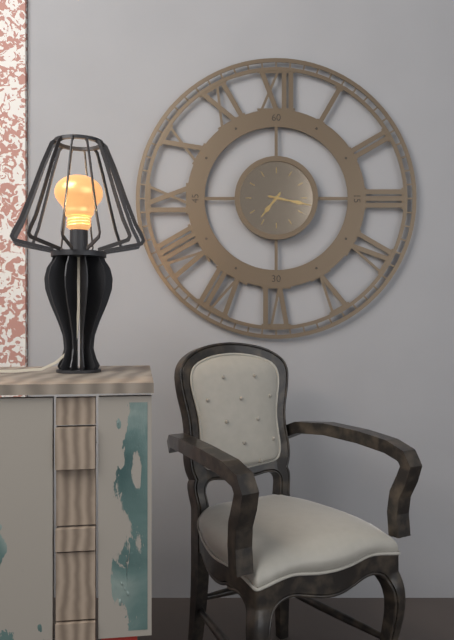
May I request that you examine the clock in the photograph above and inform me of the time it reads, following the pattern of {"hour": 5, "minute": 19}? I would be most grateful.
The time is {"hour": 7, "minute": 17}
